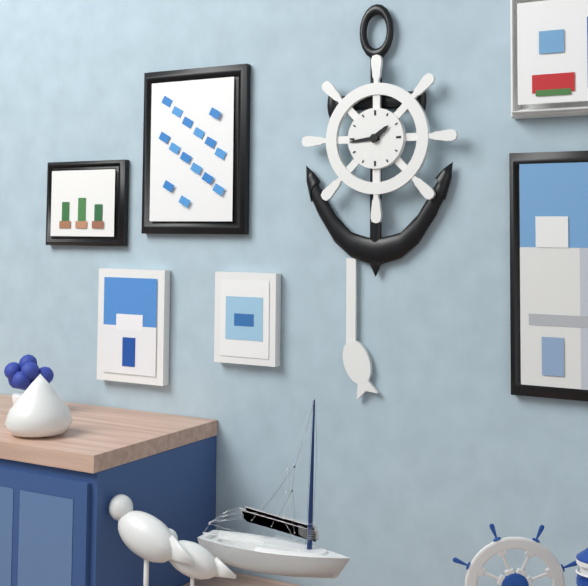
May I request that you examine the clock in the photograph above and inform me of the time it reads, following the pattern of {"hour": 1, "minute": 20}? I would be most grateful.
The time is {"hour": 1, "minute": 44}
